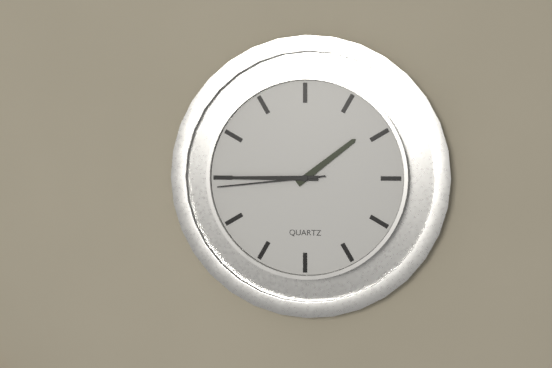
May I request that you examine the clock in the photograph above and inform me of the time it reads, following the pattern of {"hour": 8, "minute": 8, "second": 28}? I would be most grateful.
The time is {"hour": 1, "minute": 45, "second": 44}
